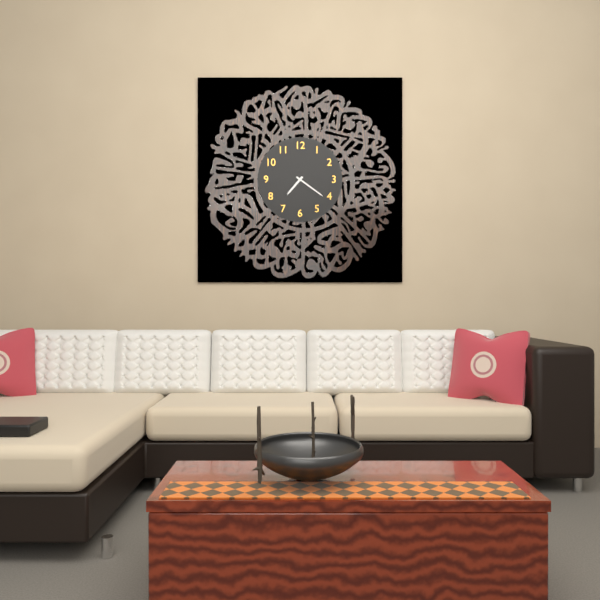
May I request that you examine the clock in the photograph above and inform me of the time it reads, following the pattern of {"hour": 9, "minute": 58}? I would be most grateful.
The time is {"hour": 7, "minute": 21}
